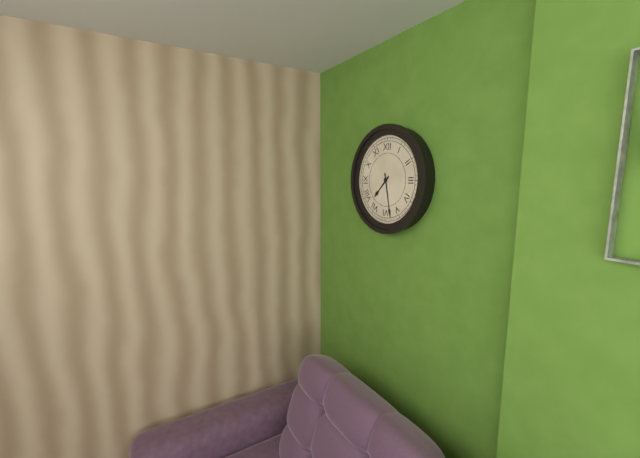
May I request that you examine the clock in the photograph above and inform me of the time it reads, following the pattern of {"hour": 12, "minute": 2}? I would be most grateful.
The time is {"hour": 7, "minute": 28}
